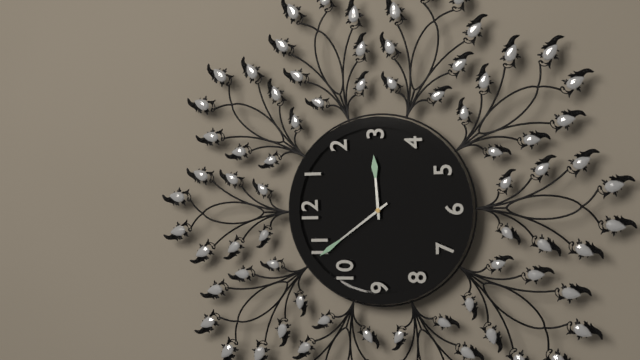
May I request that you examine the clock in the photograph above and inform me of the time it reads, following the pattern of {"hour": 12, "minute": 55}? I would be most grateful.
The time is {"hour": 2, "minute": 54}
